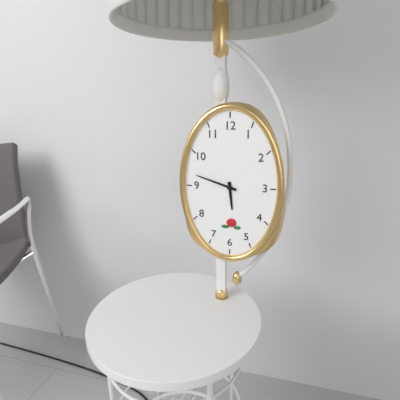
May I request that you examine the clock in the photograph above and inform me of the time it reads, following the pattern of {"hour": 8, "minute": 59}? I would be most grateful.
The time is {"hour": 5, "minute": 48}
